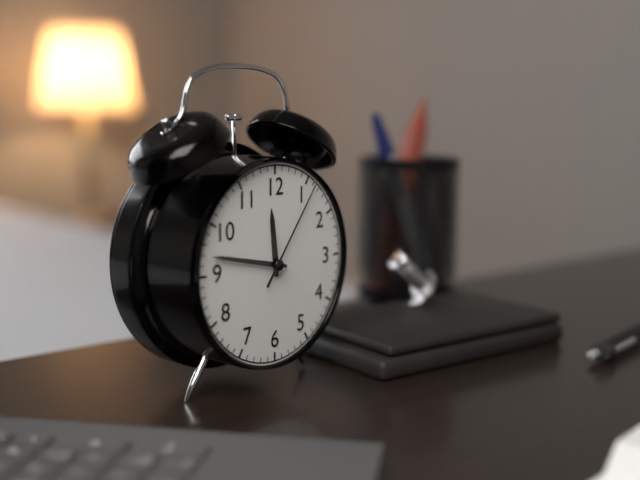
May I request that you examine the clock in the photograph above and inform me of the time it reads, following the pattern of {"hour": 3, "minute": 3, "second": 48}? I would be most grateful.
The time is {"hour": 11, "minute": 47, "second": 6}
